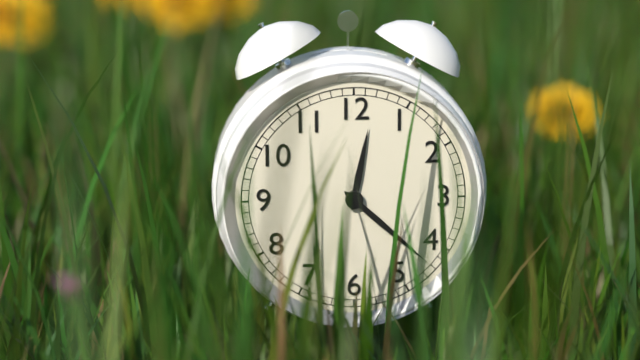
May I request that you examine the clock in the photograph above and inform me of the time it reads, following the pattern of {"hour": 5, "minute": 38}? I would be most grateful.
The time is {"hour": 12, "minute": 22}
